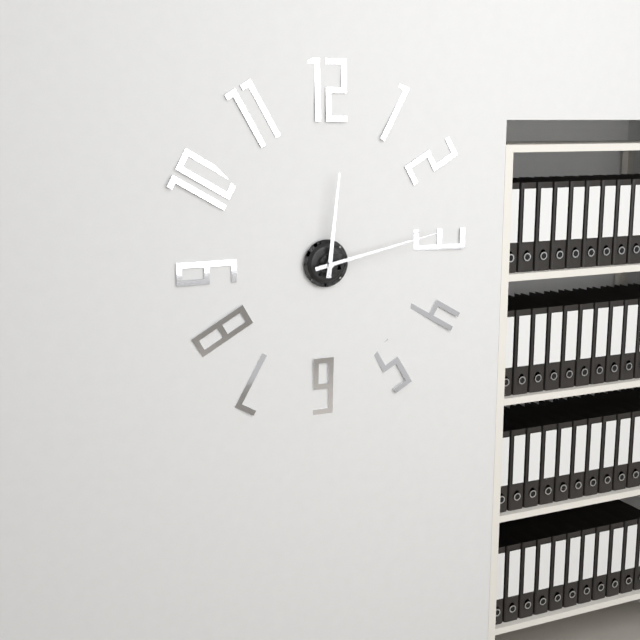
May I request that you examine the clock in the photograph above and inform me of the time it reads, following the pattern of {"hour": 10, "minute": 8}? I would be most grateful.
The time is {"hour": 12, "minute": 13}
